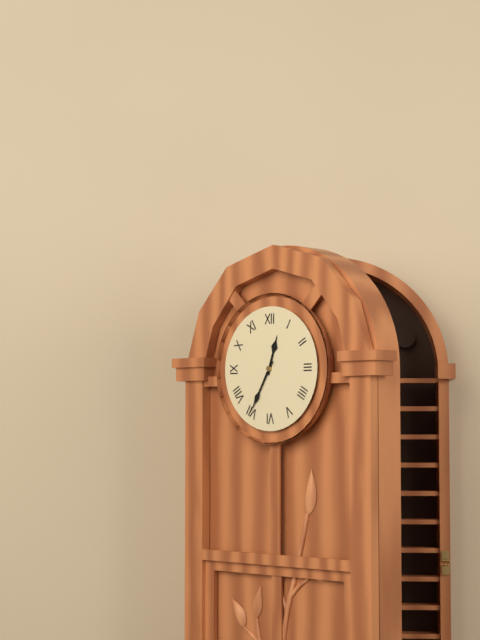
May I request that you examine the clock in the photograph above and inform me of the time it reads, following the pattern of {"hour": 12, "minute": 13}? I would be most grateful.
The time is {"hour": 12, "minute": 35}
